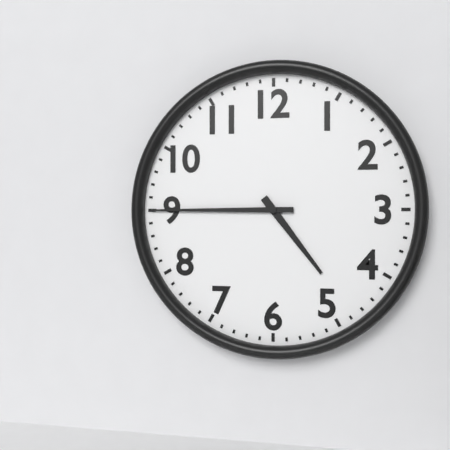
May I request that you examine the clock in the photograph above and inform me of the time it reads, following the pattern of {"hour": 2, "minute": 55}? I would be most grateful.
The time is {"hour": 4, "minute": 45}
